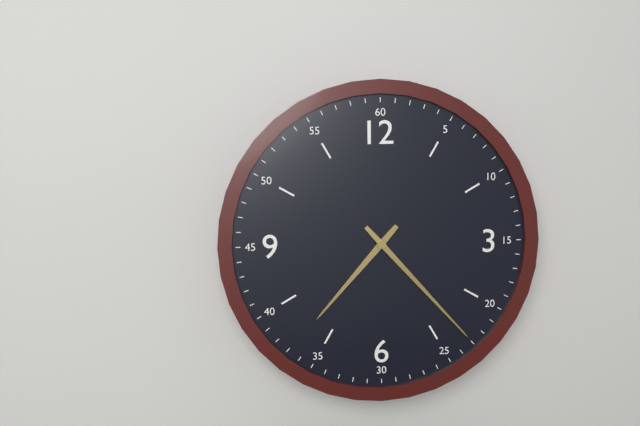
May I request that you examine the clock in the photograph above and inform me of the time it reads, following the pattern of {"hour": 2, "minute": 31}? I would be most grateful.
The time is {"hour": 7, "minute": 23}
